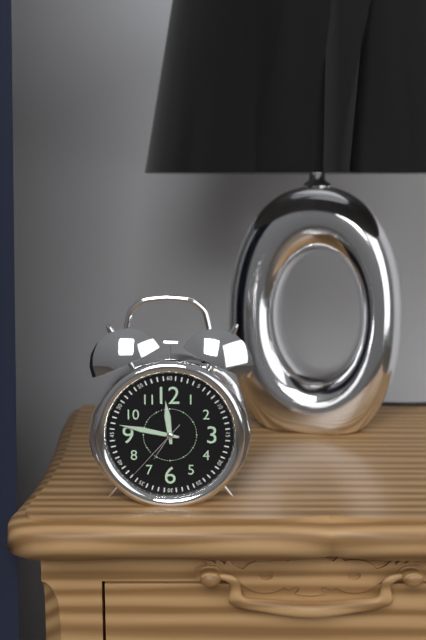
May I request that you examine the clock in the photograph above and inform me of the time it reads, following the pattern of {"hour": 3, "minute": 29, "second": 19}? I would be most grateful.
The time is {"hour": 11, "minute": 47, "second": 37}
